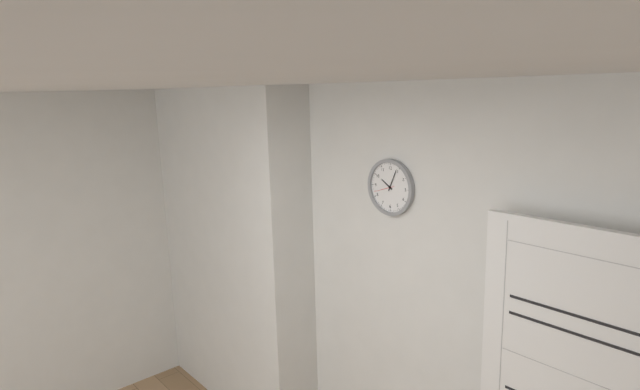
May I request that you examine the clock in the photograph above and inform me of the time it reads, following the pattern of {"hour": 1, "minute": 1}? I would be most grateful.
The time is {"hour": 10, "minute": 4}
